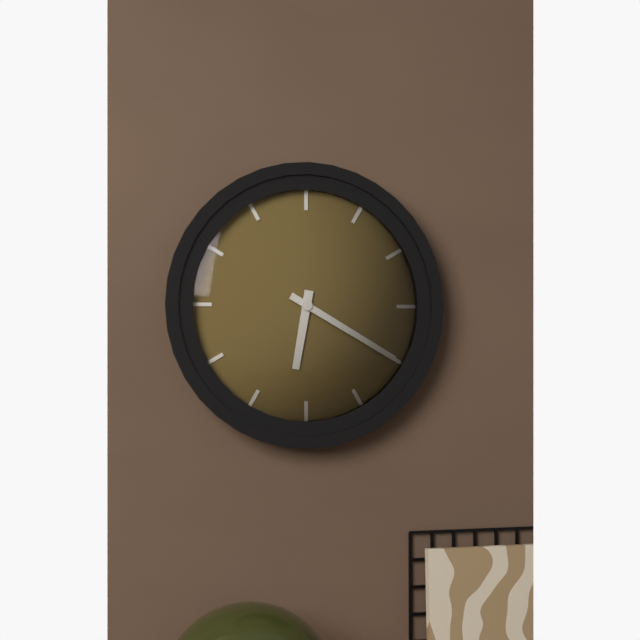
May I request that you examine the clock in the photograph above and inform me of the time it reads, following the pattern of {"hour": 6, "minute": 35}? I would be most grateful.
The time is {"hour": 6, "minute": 20}
